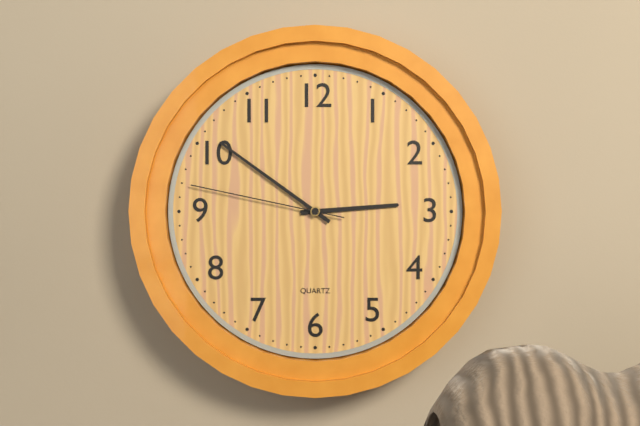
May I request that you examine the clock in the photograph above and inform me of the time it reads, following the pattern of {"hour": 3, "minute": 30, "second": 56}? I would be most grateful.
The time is {"hour": 2, "minute": 51, "second": 47}
